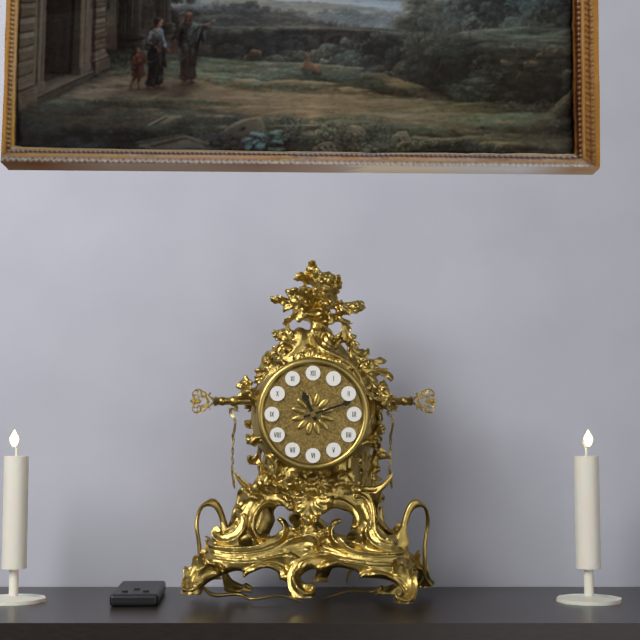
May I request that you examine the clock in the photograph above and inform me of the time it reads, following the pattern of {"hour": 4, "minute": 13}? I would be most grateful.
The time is {"hour": 11, "minute": 12}
